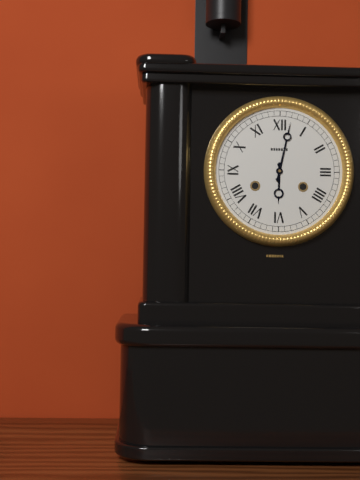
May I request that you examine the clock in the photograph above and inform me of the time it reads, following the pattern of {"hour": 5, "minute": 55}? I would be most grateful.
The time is {"hour": 6, "minute": 2}
